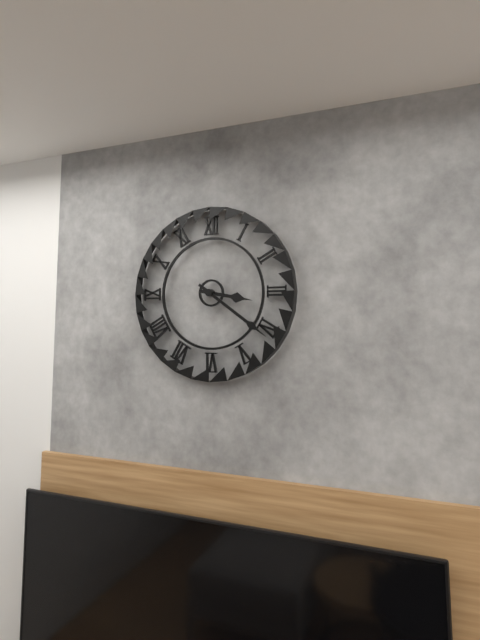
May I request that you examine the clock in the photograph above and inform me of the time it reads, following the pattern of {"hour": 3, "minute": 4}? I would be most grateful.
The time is {"hour": 3, "minute": 21}
